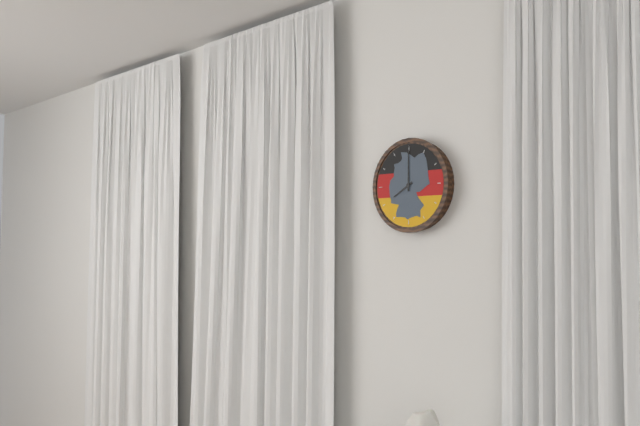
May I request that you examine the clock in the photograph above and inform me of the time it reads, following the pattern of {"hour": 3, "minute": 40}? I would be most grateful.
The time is {"hour": 8, "minute": 0}
